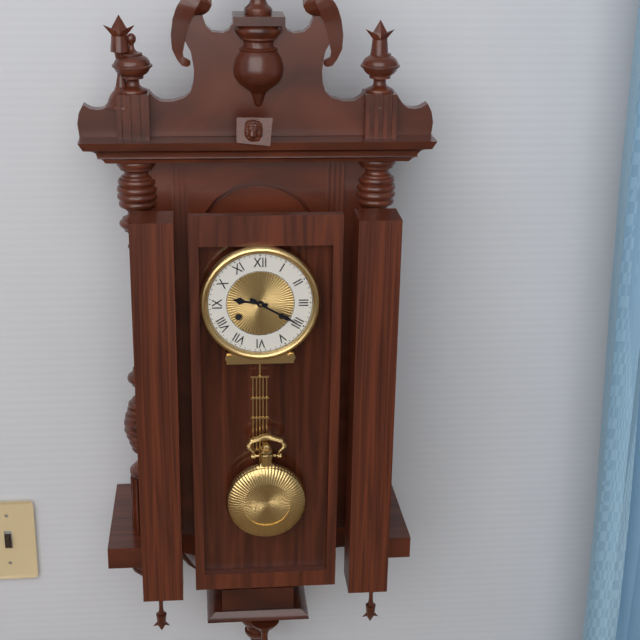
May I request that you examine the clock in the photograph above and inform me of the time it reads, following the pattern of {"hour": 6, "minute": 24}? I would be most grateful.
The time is {"hour": 9, "minute": 20}
